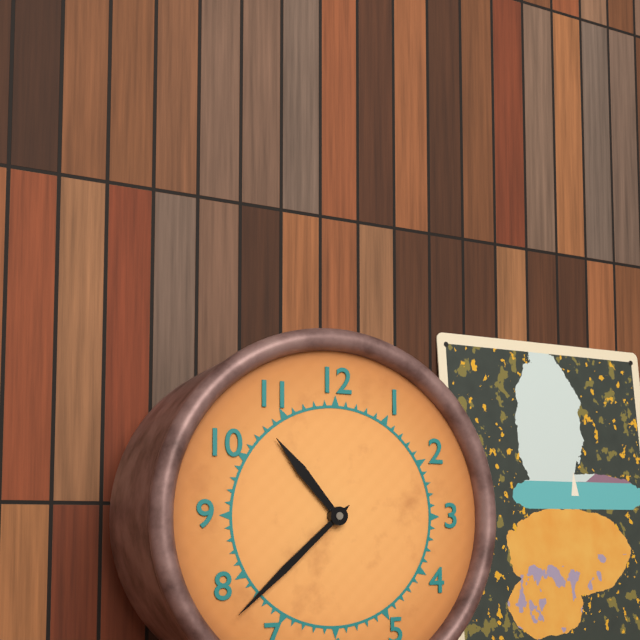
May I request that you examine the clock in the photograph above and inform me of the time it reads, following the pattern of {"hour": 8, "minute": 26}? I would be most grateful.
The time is {"hour": 10, "minute": 38}
